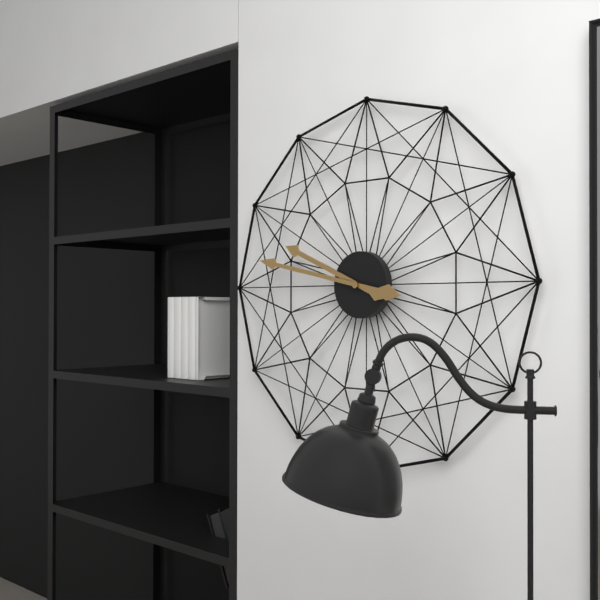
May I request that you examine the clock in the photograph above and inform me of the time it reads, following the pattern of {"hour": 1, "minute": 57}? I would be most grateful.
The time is {"hour": 9, "minute": 47}
